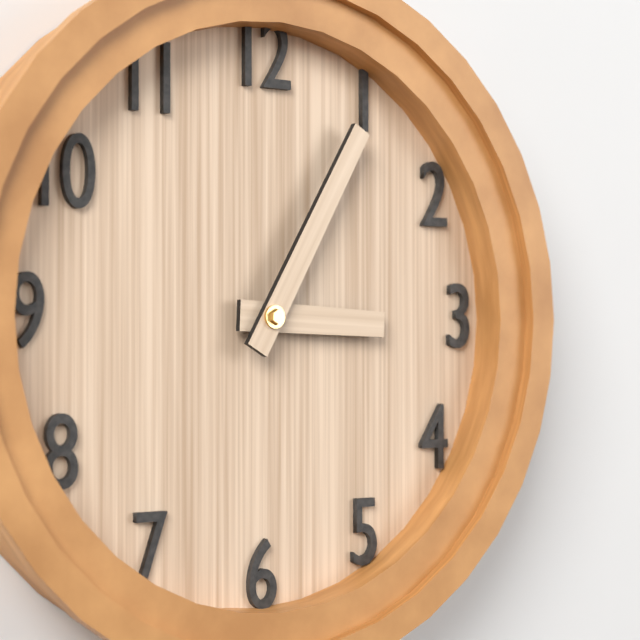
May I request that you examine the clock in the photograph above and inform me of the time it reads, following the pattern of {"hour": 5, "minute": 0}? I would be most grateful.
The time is {"hour": 3, "minute": 5}
